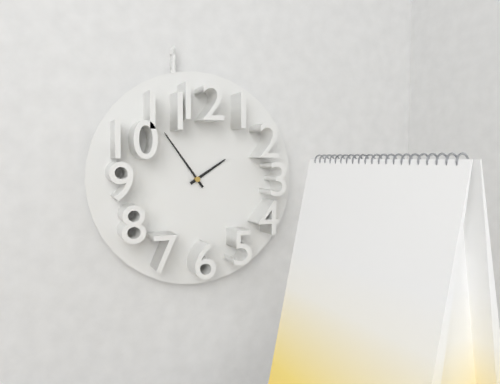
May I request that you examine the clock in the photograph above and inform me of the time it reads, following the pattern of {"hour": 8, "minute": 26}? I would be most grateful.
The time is {"hour": 1, "minute": 54}
